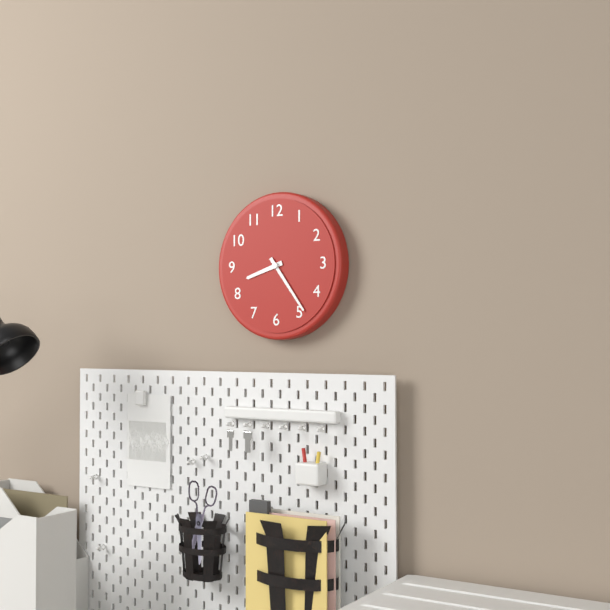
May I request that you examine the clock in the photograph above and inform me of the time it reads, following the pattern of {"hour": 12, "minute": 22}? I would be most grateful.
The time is {"hour": 8, "minute": 24}
